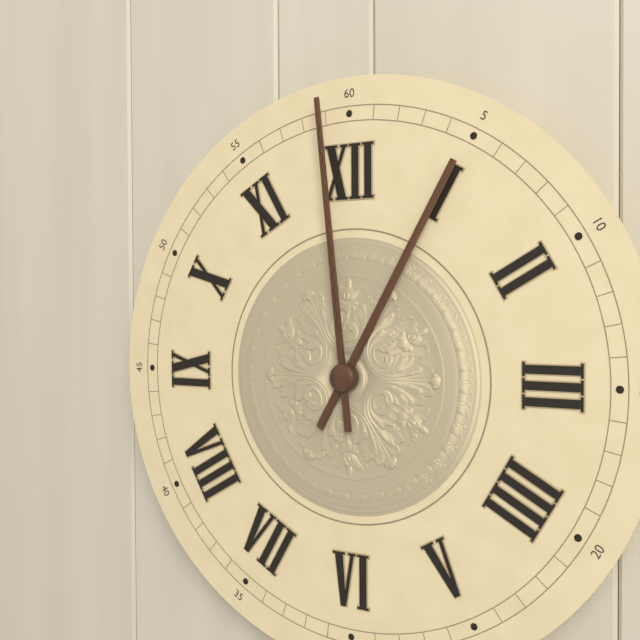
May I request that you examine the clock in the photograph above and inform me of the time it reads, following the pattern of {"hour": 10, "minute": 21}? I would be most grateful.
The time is {"hour": 12, "minute": 59}
